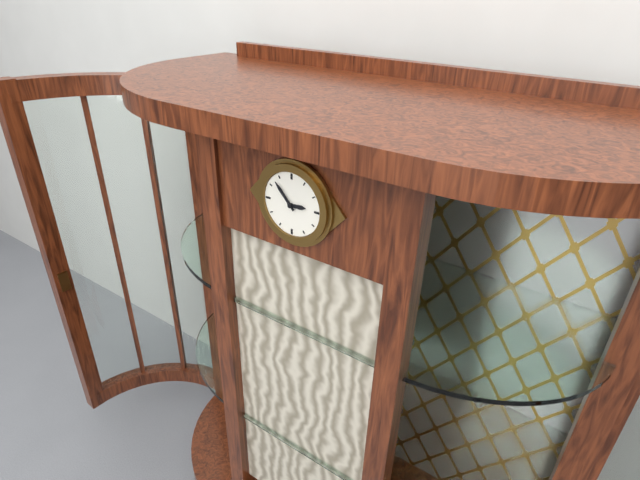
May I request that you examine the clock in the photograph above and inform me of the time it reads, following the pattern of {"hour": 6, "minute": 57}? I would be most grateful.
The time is {"hour": 2, "minute": 53}
